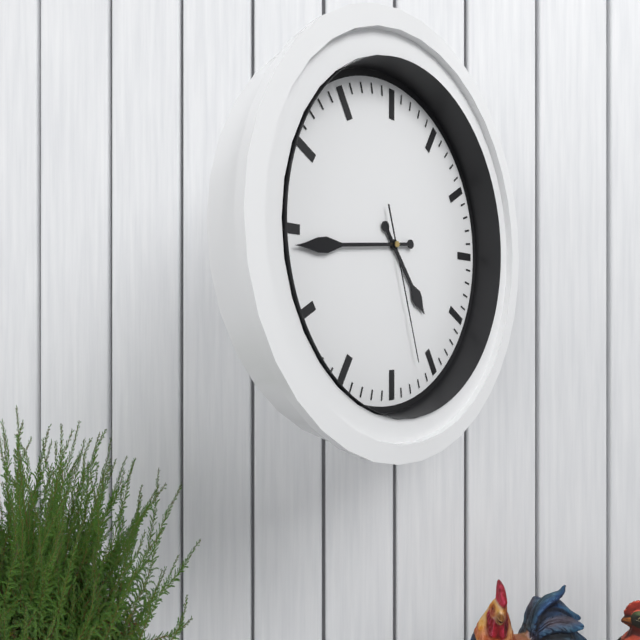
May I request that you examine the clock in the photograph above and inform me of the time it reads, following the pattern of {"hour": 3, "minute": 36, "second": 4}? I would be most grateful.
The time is {"hour": 4, "minute": 44, "second": 27}
